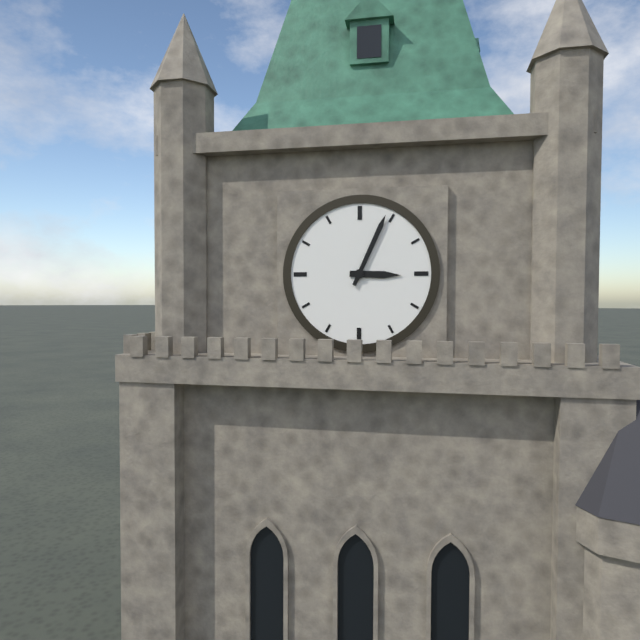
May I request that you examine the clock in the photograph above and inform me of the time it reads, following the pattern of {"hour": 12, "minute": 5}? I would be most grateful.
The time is {"hour": 3, "minute": 4}
